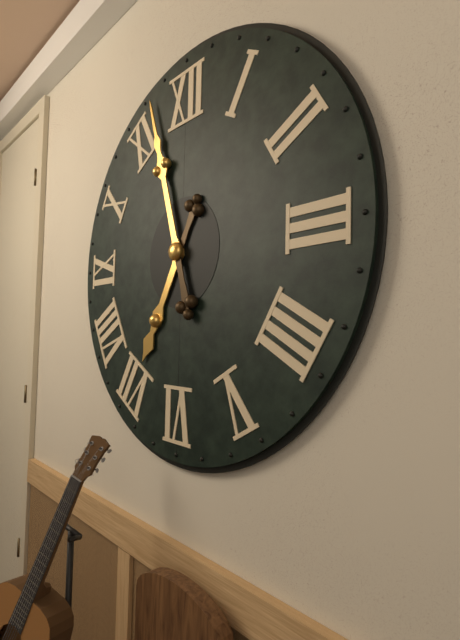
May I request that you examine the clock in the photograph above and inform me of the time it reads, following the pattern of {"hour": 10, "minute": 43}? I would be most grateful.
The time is {"hour": 6, "minute": 57}
